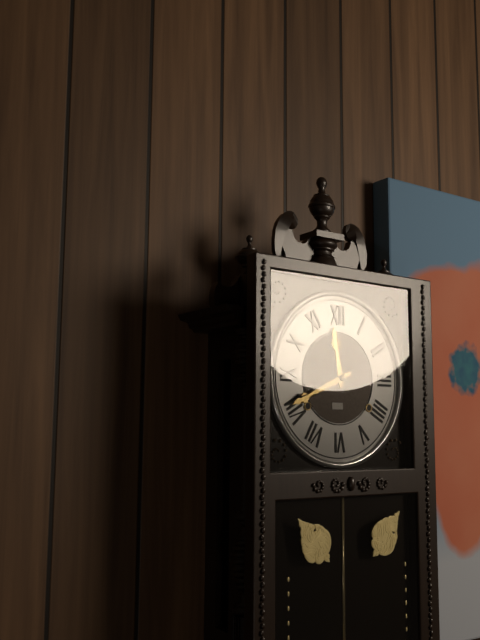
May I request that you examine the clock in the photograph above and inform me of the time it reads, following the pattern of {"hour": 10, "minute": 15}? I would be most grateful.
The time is {"hour": 11, "minute": 41}
